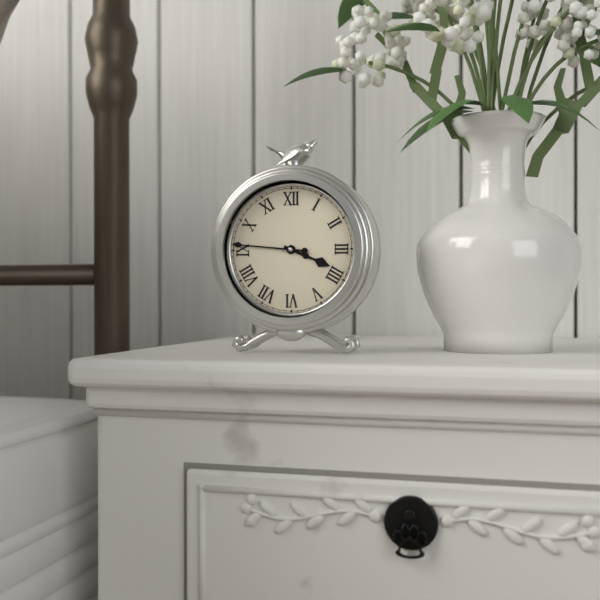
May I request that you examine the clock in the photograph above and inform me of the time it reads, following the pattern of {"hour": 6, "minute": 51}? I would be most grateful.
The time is {"hour": 3, "minute": 46}
